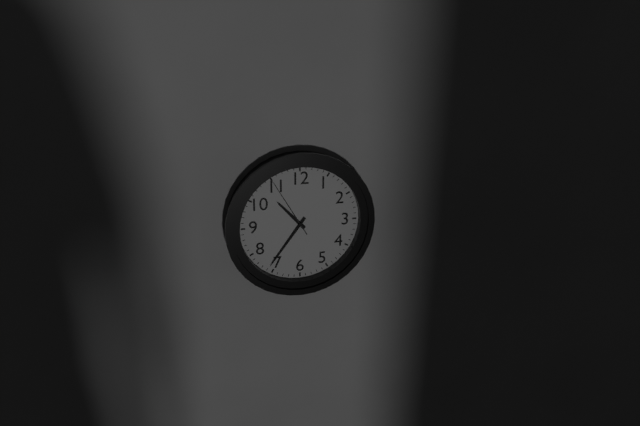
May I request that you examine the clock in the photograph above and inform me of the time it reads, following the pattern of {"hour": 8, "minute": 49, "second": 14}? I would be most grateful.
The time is {"hour": 10, "minute": 36, "second": 55}
